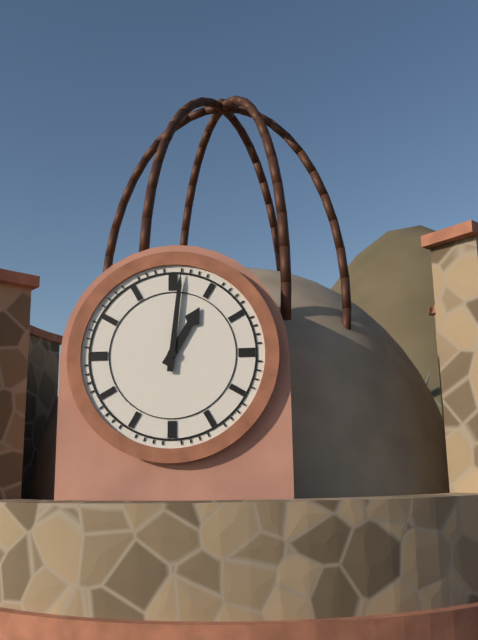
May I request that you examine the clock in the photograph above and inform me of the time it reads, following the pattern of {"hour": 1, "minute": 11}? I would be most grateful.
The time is {"hour": 1, "minute": 1}
